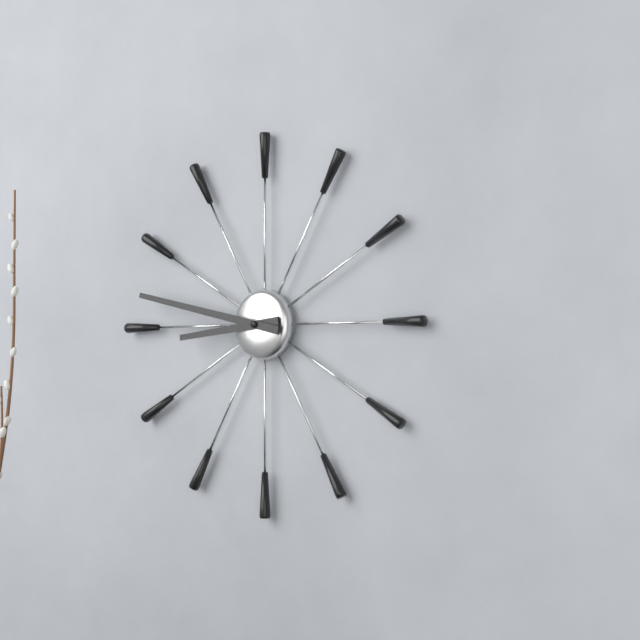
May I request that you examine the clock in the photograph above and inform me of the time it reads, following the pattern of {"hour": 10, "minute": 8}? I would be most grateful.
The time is {"hour": 8, "minute": 47}
